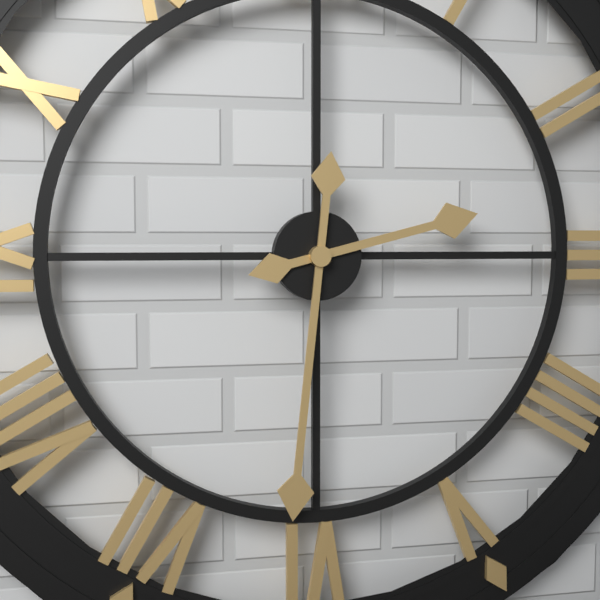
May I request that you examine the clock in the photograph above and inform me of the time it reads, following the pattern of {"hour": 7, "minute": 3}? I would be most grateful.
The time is {"hour": 2, "minute": 31}
